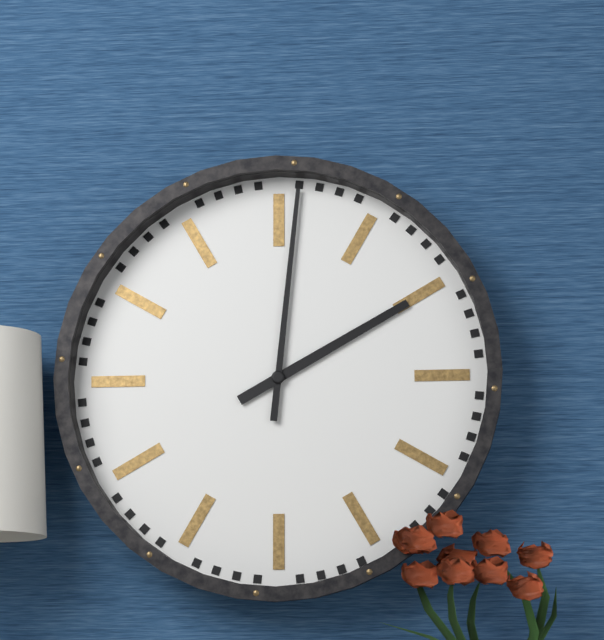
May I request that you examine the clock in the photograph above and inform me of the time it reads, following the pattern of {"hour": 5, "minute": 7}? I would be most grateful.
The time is {"hour": 2, "minute": 1}
